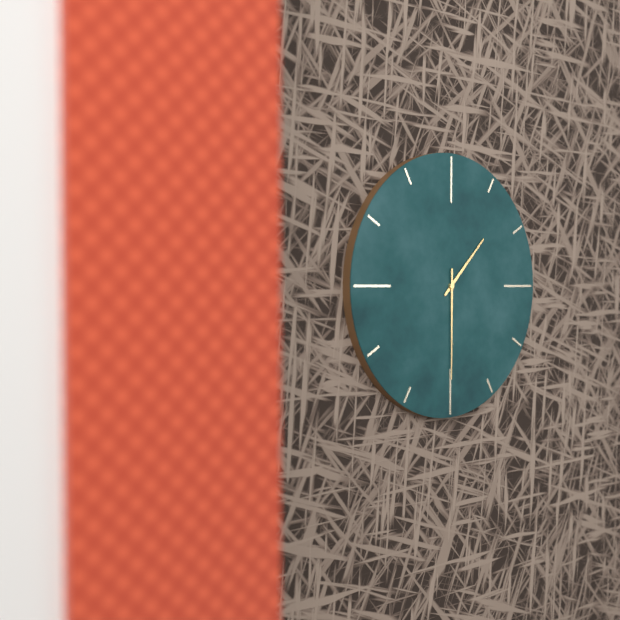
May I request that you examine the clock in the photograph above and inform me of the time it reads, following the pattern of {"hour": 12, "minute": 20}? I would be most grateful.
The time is {"hour": 1, "minute": 30}
